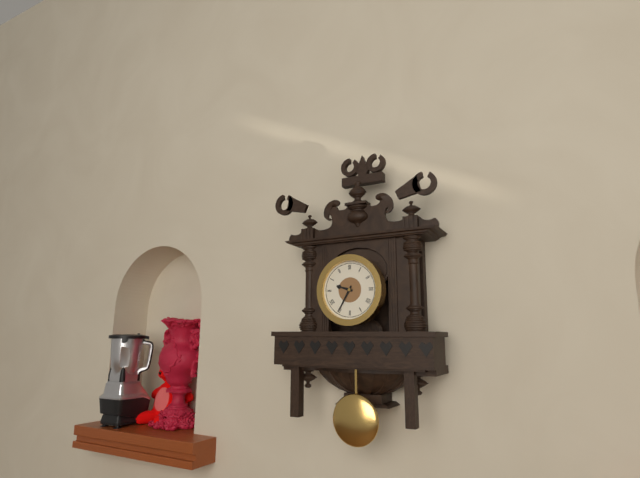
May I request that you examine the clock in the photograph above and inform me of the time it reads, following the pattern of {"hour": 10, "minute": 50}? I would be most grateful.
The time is {"hour": 9, "minute": 35}
